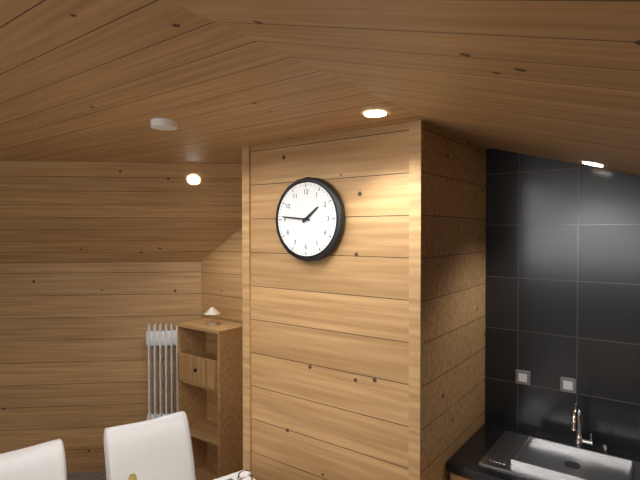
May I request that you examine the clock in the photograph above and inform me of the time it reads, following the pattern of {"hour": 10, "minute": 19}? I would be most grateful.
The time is {"hour": 1, "minute": 46}
